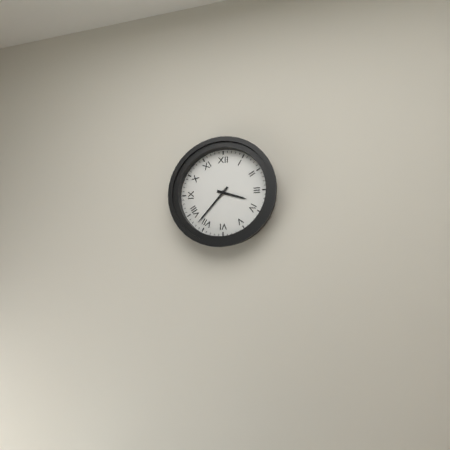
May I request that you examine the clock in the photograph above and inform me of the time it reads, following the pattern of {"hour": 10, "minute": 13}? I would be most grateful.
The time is {"hour": 3, "minute": 37}
